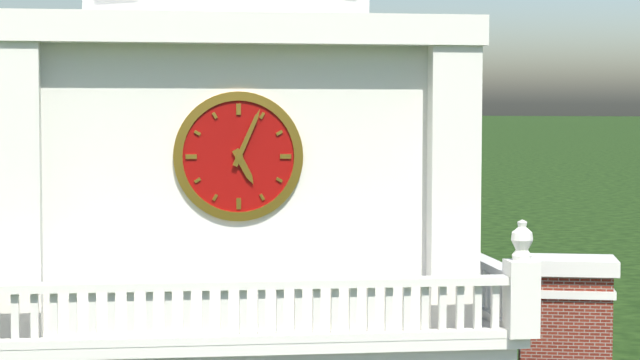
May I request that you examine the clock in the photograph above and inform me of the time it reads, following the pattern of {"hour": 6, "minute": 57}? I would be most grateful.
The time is {"hour": 5, "minute": 4}
